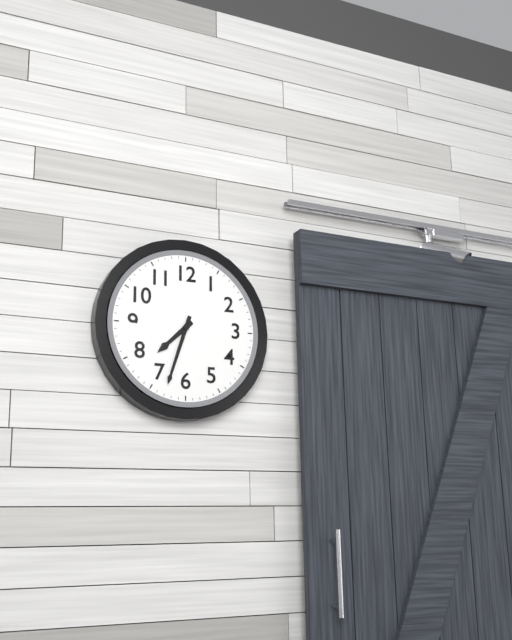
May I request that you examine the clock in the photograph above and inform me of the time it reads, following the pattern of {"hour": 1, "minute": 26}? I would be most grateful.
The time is {"hour": 7, "minute": 33}
